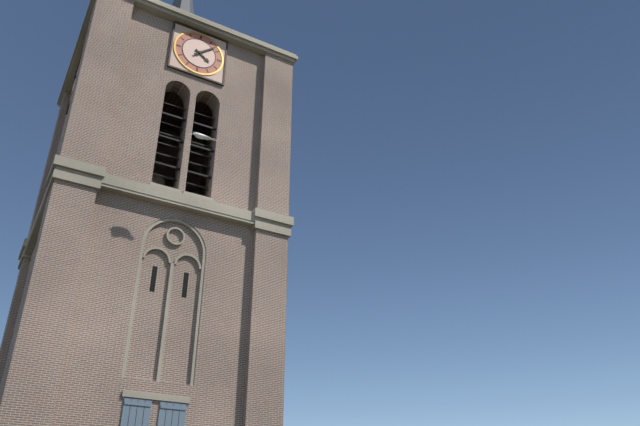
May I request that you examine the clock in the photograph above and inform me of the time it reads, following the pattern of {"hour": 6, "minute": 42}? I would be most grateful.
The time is {"hour": 4, "minute": 8}
